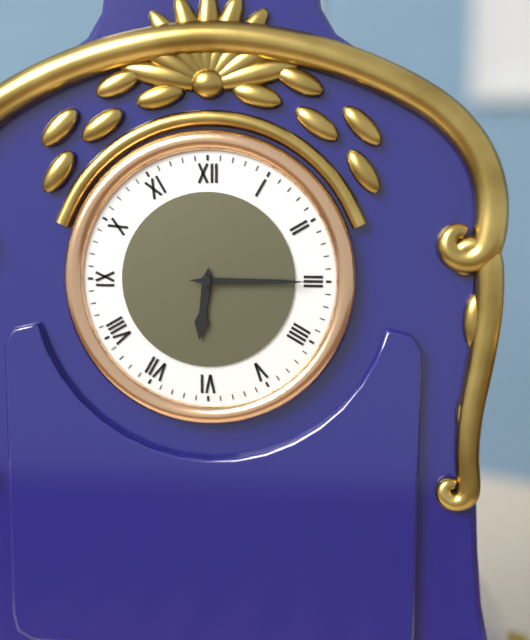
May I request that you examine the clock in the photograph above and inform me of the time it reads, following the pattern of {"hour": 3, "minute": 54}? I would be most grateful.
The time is {"hour": 6, "minute": 15}
